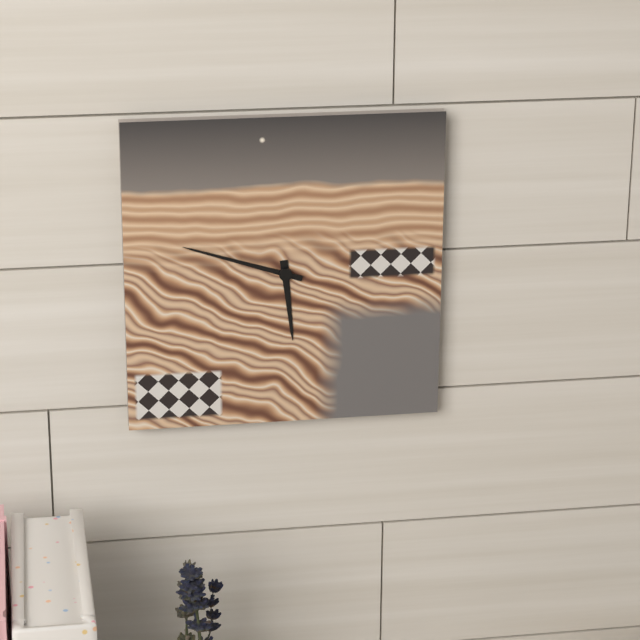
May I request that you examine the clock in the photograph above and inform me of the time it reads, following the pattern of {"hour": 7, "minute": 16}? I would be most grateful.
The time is {"hour": 5, "minute": 48}
